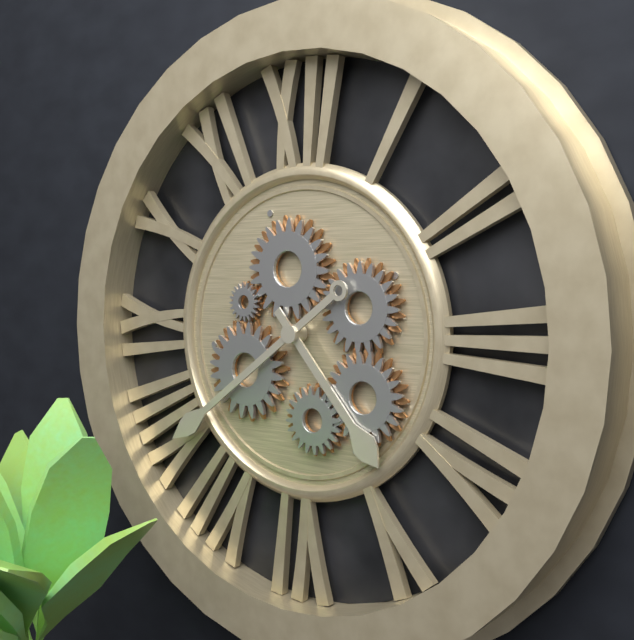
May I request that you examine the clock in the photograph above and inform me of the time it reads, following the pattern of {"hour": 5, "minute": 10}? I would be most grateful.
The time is {"hour": 4, "minute": 39}
